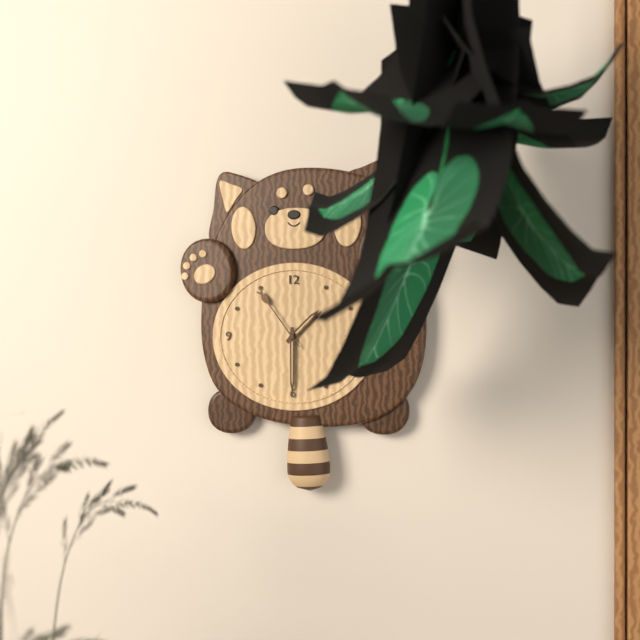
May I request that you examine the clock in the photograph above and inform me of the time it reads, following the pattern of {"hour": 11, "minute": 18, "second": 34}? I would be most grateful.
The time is {"hour": 1, "minute": 30, "second": 54}
